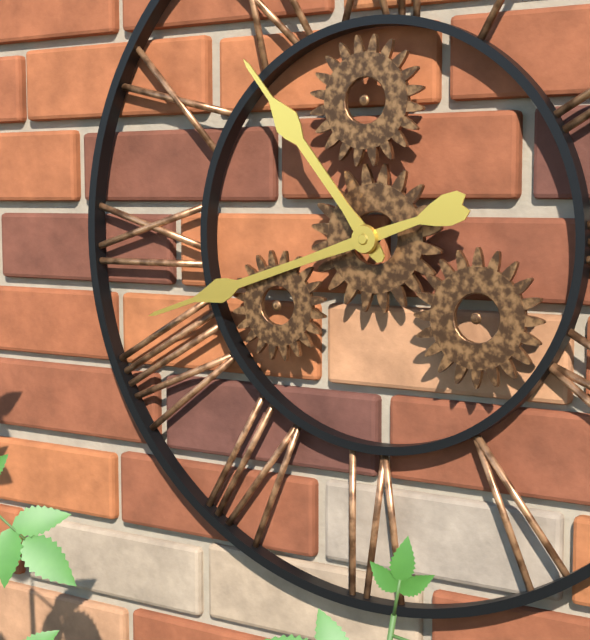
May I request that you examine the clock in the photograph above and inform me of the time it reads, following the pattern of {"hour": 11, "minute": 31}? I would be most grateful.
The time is {"hour": 10, "minute": 42}
